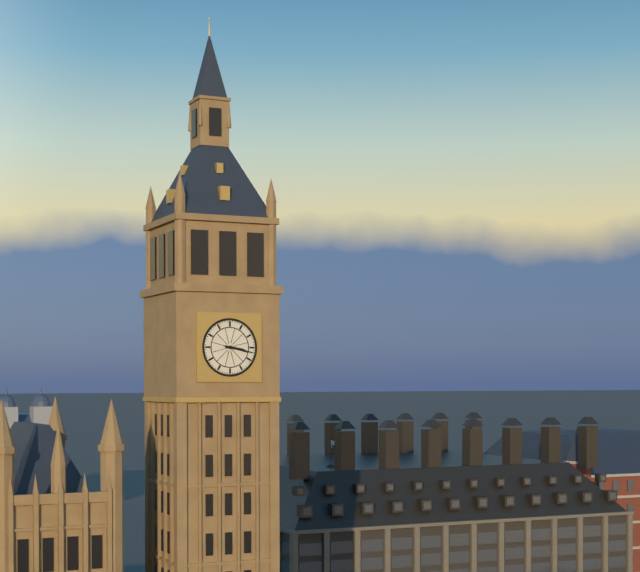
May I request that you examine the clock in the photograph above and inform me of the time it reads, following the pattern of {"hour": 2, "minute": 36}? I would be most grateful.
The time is {"hour": 3, "minute": 17}
